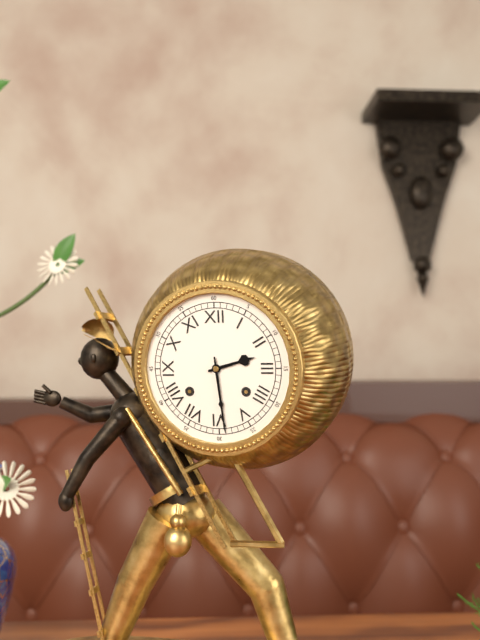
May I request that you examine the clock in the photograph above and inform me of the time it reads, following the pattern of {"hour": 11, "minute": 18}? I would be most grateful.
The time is {"hour": 2, "minute": 29}
